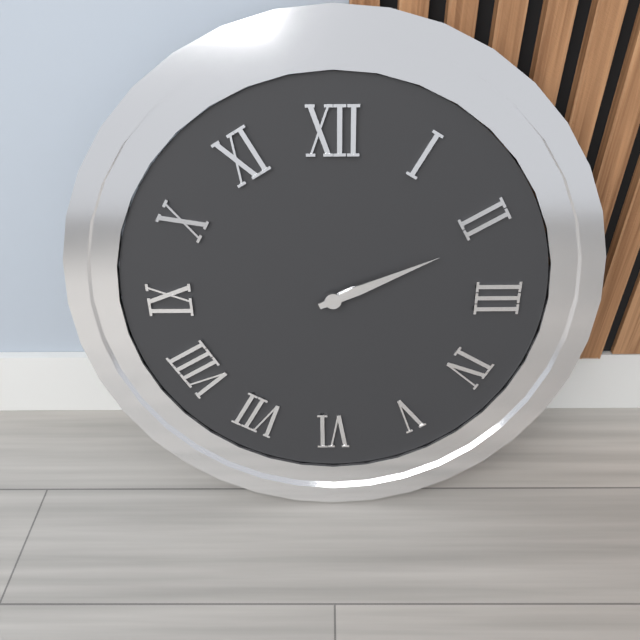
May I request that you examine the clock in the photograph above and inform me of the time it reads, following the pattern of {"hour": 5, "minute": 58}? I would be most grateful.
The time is {"hour": 2, "minute": 11}
